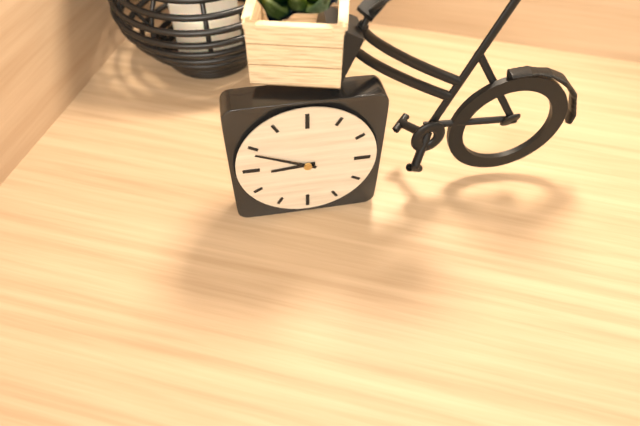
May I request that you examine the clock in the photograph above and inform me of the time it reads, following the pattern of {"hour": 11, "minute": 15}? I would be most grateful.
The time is {"hour": 8, "minute": 49}
